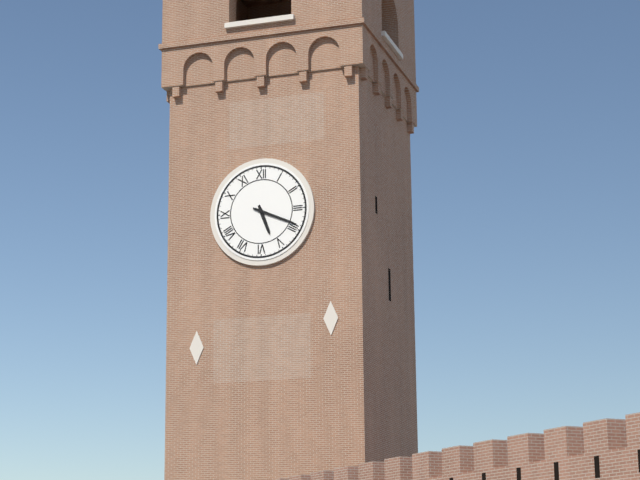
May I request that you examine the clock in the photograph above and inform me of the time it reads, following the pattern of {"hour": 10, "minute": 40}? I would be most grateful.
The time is {"hour": 5, "minute": 19}
